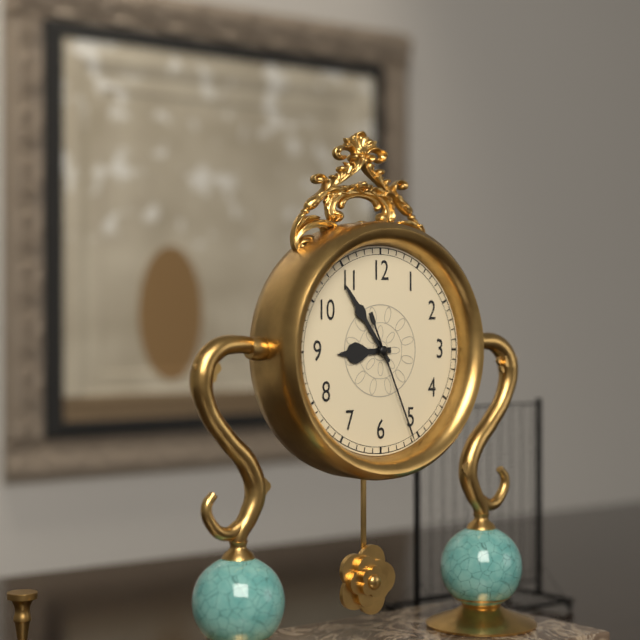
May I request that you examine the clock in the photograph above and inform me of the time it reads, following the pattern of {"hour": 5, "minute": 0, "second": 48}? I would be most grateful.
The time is {"hour": 8, "minute": 54, "second": 26}
